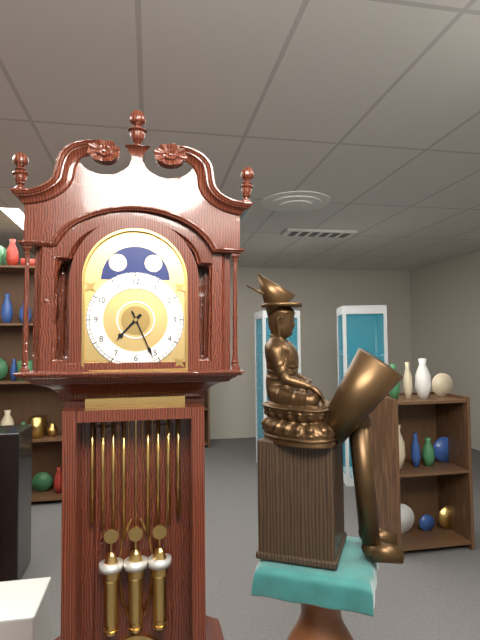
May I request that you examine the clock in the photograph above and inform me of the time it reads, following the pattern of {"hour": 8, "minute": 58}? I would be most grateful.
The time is {"hour": 7, "minute": 26}
